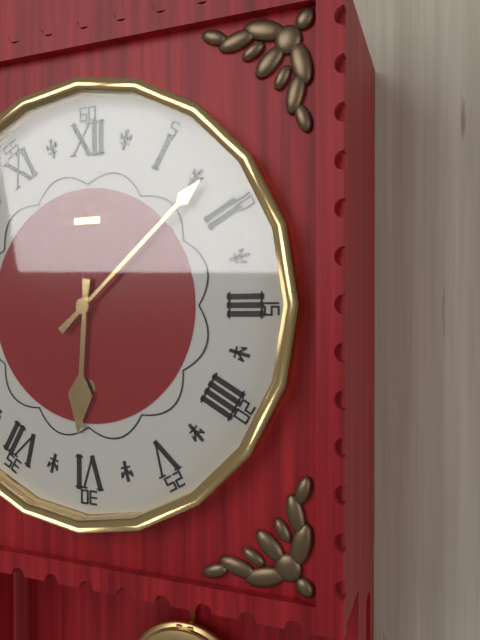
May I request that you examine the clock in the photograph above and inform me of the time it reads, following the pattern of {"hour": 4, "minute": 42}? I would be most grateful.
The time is {"hour": 6, "minute": 8}
